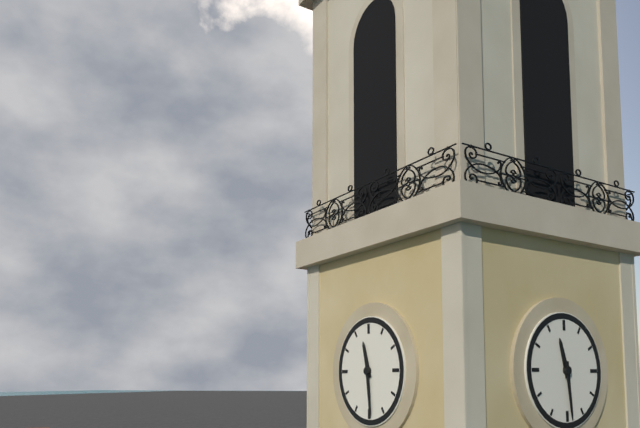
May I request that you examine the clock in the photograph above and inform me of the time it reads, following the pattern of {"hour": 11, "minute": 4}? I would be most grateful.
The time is {"hour": 11, "minute": 29}
